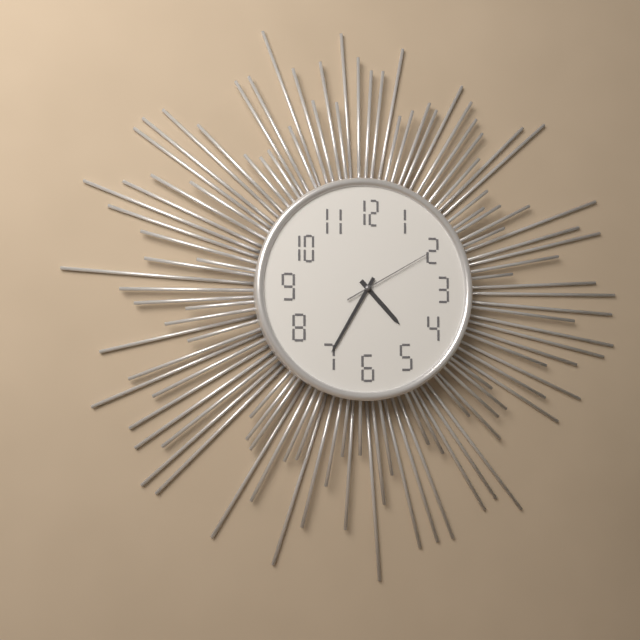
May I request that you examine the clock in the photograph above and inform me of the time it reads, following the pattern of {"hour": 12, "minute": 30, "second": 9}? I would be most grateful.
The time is {"hour": 4, "minute": 35, "second": 10}
